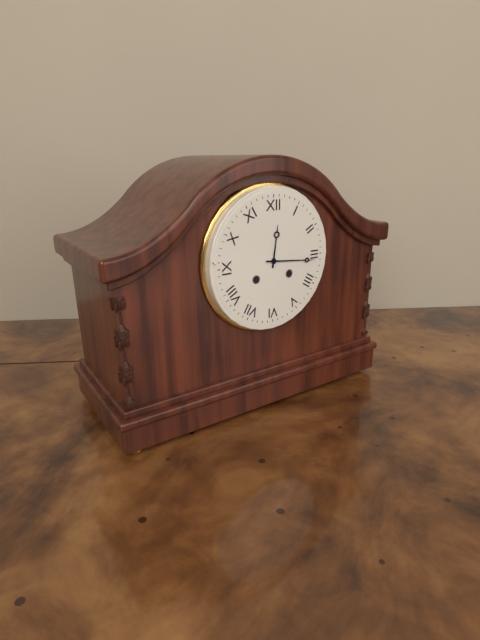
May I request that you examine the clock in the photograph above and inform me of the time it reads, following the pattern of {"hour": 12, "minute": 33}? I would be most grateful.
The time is {"hour": 12, "minute": 16}
